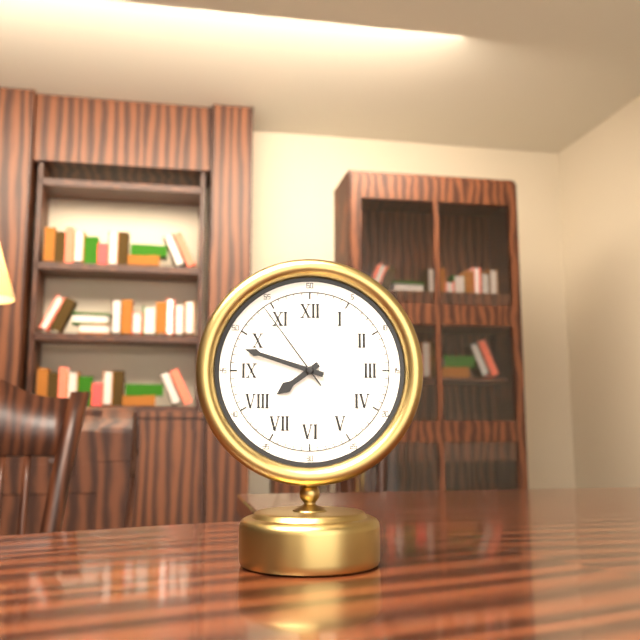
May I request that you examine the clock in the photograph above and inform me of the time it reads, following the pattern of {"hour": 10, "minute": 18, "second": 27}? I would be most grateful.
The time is {"hour": 7, "minute": 48, "second": 54}
